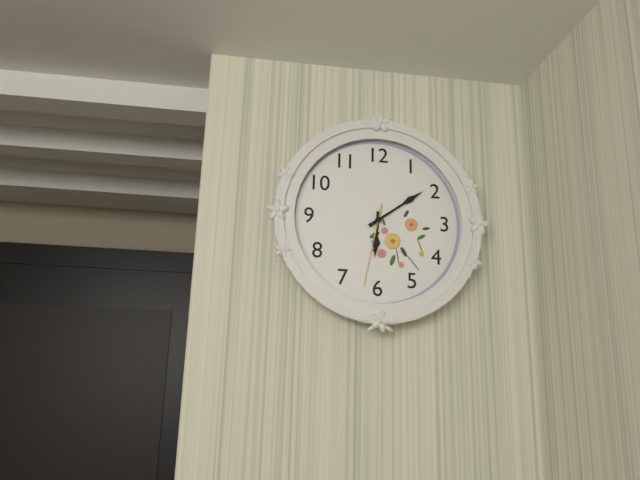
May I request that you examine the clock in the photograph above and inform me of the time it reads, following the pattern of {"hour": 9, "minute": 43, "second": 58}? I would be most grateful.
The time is {"hour": 6, "minute": 9, "second": 32}
